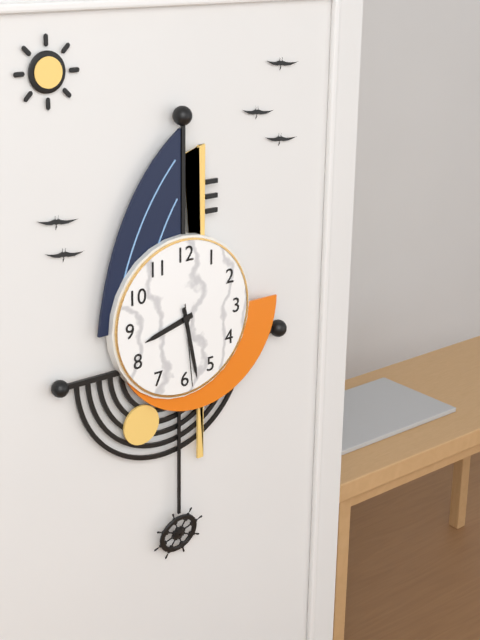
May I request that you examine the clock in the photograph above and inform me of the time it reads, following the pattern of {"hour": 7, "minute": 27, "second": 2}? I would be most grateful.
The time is {"hour": 8, "minute": 28, "second": 29}
